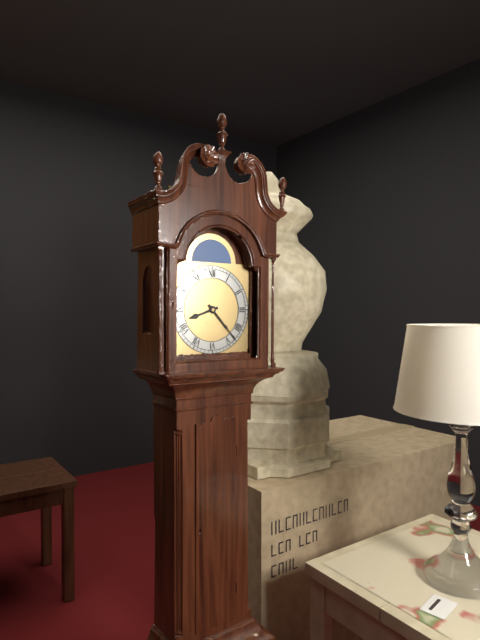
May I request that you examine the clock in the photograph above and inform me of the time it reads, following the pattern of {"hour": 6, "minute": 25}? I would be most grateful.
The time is {"hour": 8, "minute": 23}
